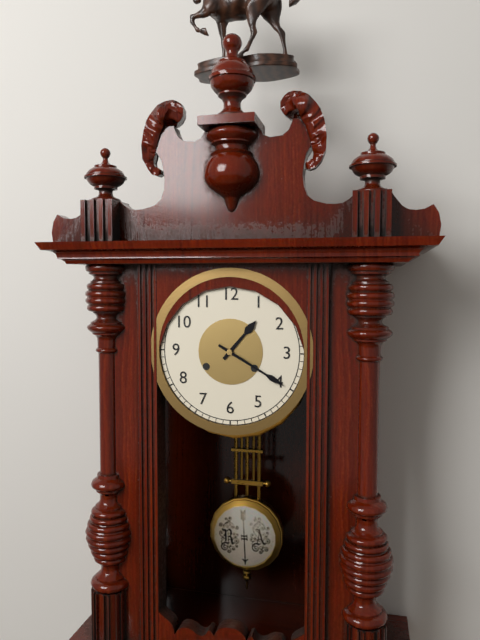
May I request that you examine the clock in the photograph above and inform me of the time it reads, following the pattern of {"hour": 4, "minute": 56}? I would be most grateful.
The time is {"hour": 1, "minute": 20}
